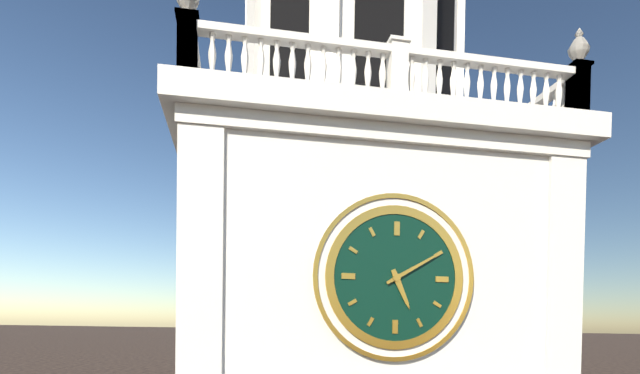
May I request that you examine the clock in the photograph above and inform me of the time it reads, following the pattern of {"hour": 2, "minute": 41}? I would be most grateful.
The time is {"hour": 5, "minute": 10}
